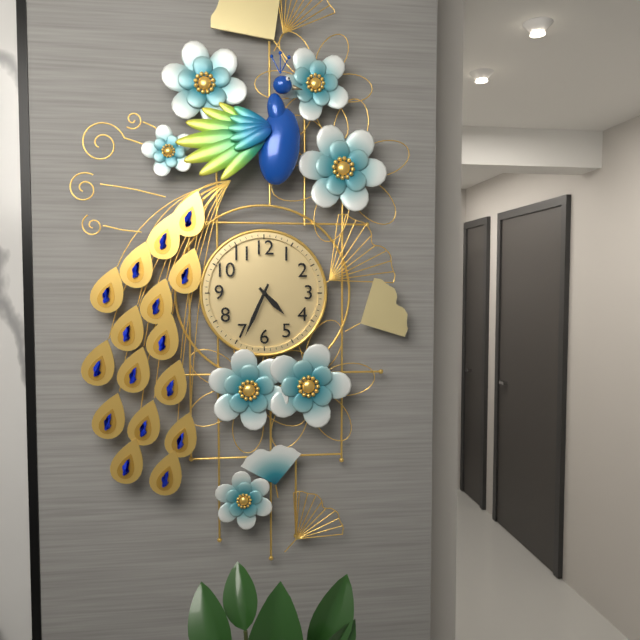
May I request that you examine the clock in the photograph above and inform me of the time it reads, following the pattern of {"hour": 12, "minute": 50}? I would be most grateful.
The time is {"hour": 4, "minute": 34}
